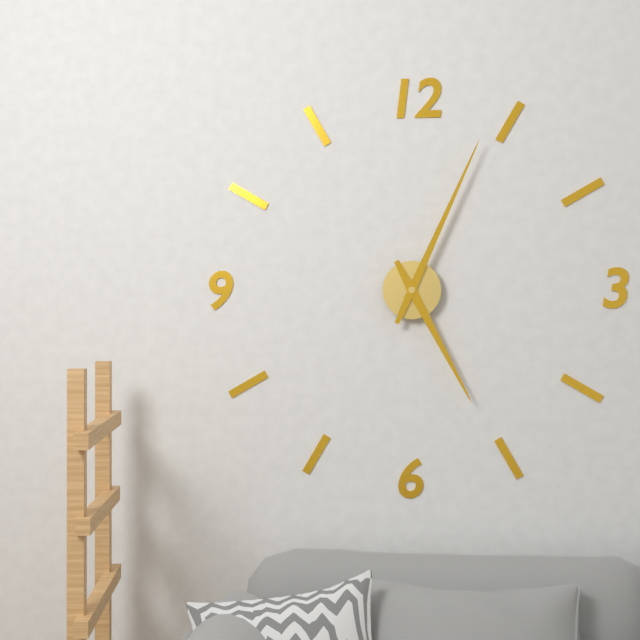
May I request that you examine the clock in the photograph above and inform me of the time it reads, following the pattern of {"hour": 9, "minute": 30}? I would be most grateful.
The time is {"hour": 5, "minute": 4}
